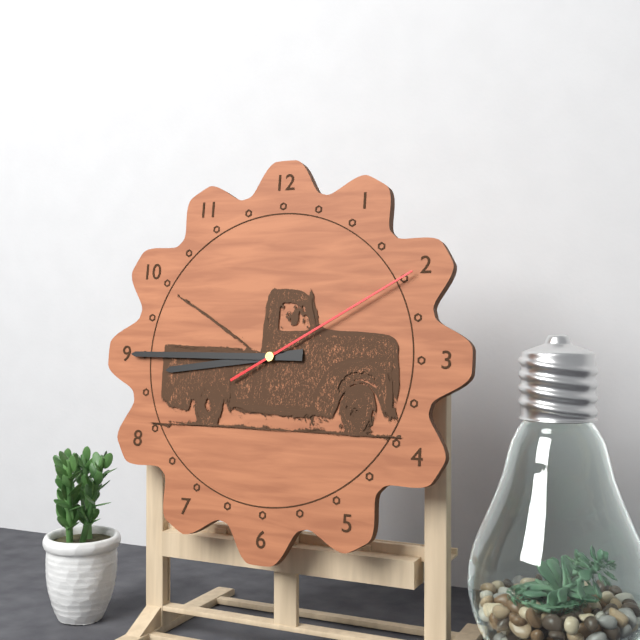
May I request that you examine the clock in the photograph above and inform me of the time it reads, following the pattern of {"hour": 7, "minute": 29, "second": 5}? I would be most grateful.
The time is {"hour": 8, "minute": 45, "second": 10}
